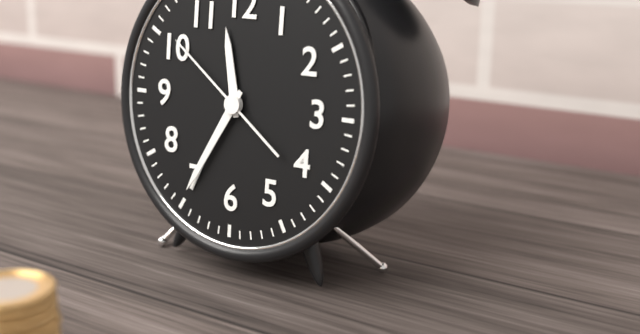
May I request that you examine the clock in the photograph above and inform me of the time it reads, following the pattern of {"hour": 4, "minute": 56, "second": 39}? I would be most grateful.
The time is {"hour": 11, "minute": 35, "second": 51}
